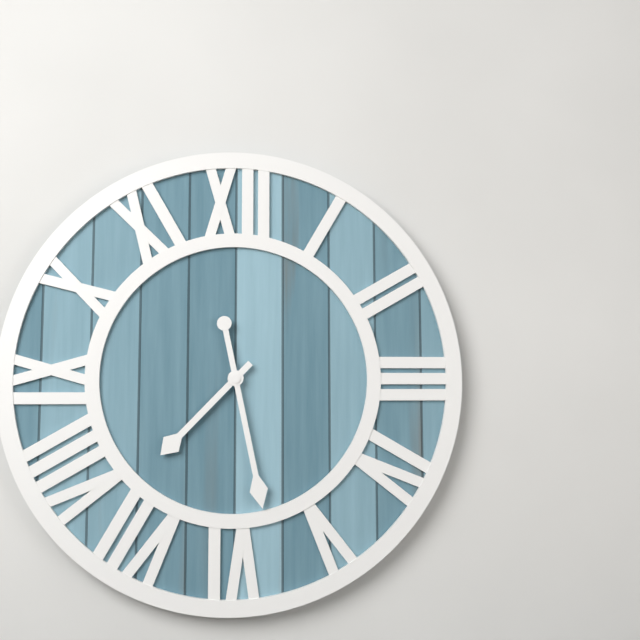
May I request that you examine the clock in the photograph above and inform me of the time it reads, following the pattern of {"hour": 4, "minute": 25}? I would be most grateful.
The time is {"hour": 7, "minute": 28}
